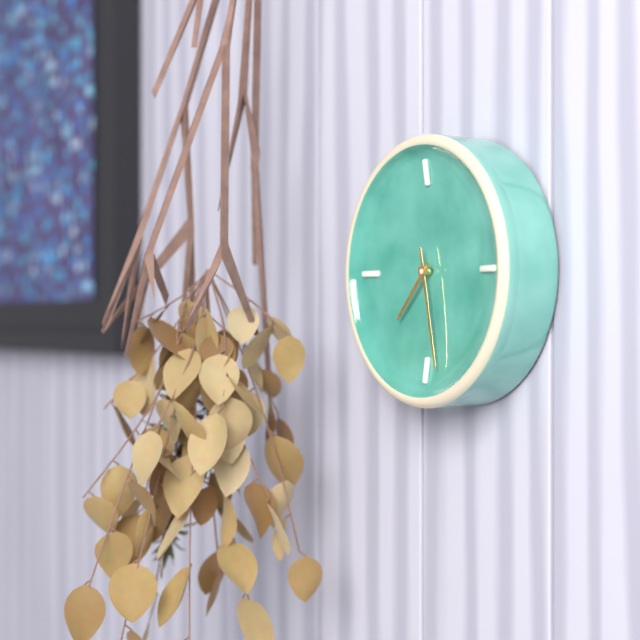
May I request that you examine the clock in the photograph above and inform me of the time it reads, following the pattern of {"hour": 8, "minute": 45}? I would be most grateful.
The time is {"hour": 7, "minute": 28}
